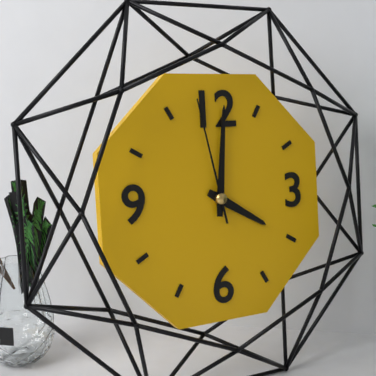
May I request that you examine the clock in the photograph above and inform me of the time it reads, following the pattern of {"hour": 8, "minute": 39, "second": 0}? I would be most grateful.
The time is {"hour": 4, "minute": 1, "second": 58}
